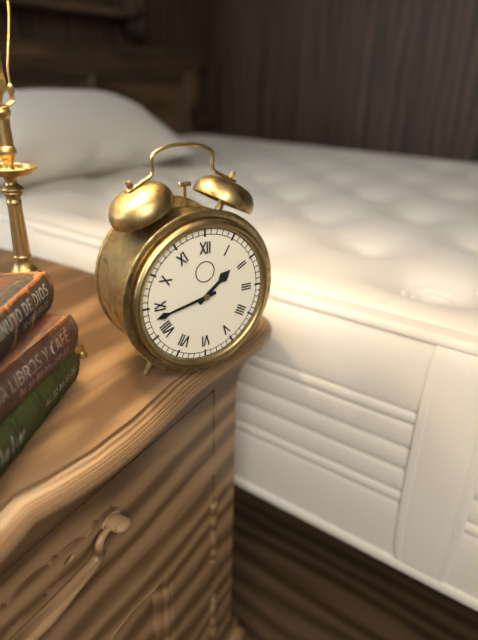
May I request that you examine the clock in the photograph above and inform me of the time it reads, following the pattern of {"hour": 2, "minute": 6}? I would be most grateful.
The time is {"hour": 1, "minute": 43}
